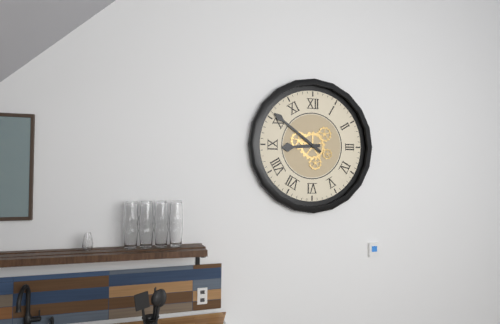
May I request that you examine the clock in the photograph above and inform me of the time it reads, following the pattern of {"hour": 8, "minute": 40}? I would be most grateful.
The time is {"hour": 8, "minute": 51}
